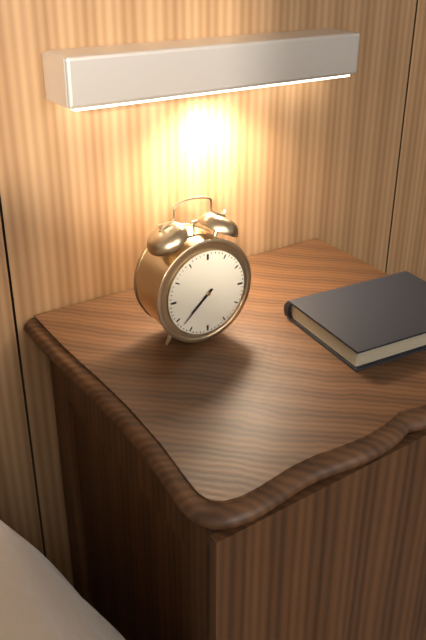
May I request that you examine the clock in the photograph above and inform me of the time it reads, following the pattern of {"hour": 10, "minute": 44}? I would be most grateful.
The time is {"hour": 7, "minute": 38}
